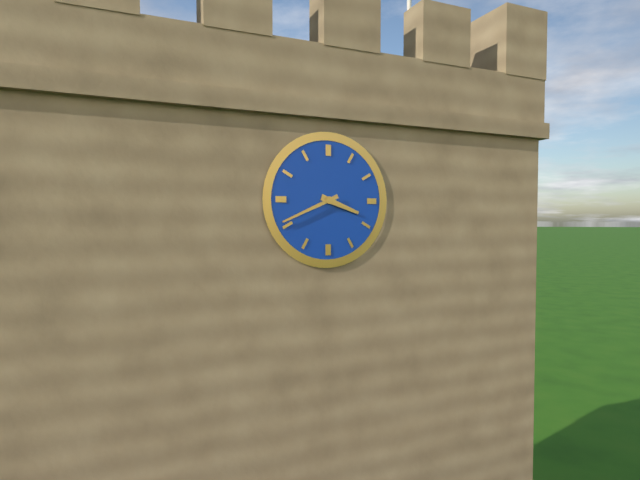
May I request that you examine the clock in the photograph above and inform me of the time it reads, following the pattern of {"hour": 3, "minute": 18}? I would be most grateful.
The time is {"hour": 3, "minute": 41}
